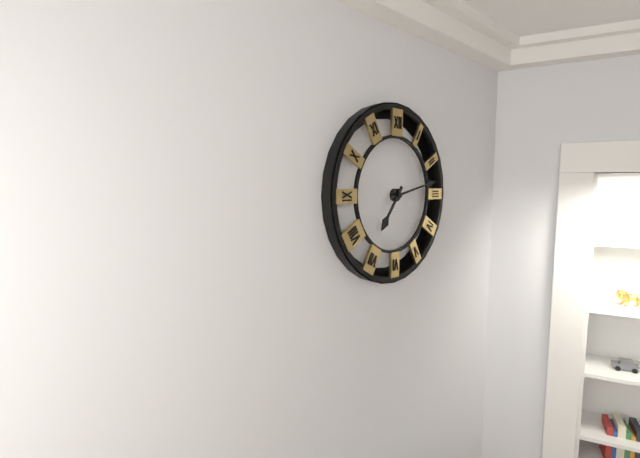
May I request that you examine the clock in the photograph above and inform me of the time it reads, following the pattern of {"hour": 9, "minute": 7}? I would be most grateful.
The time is {"hour": 7, "minute": 13}
